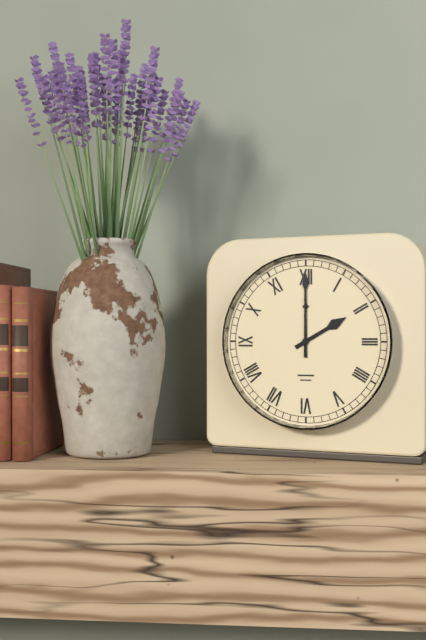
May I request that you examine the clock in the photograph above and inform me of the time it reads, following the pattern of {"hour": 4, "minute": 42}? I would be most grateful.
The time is {"hour": 2, "minute": 0}
